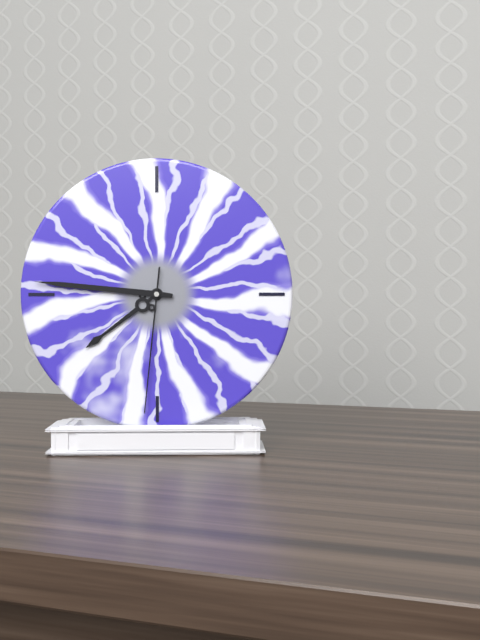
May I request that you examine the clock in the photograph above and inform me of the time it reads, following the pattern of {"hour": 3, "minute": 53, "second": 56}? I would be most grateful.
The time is {"hour": 7, "minute": 46, "second": 31}
